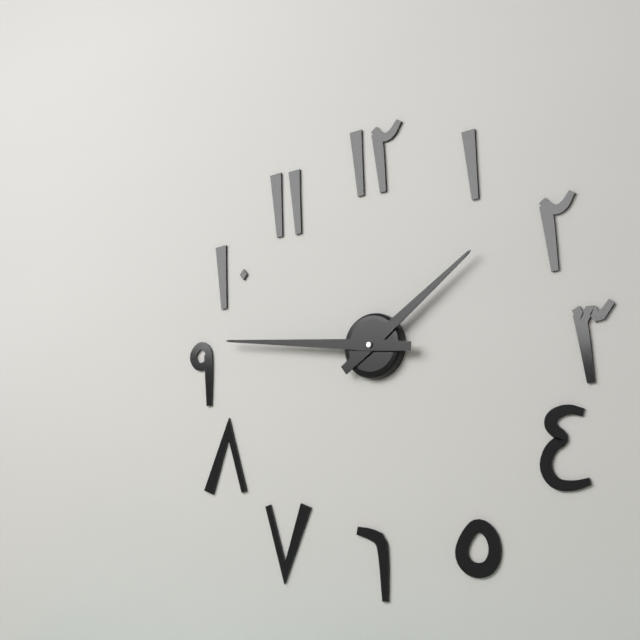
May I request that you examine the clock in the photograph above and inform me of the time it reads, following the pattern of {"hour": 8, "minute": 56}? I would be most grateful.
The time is {"hour": 1, "minute": 46}
